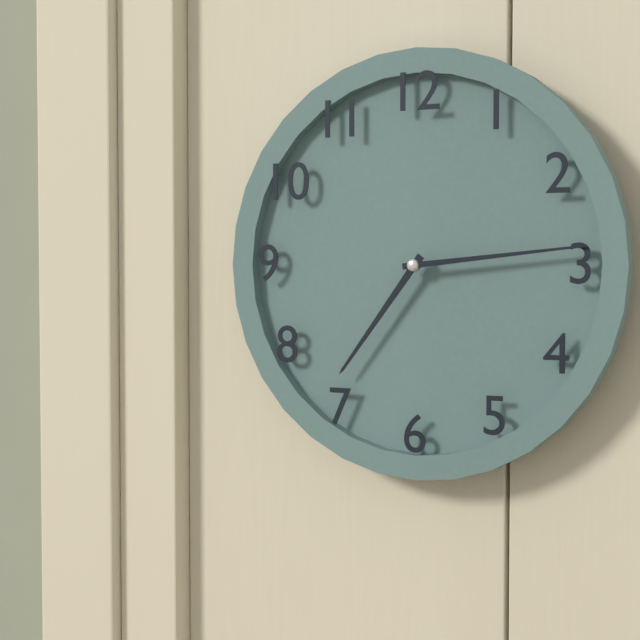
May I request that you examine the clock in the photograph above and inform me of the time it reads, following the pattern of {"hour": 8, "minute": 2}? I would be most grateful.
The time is {"hour": 7, "minute": 14}
